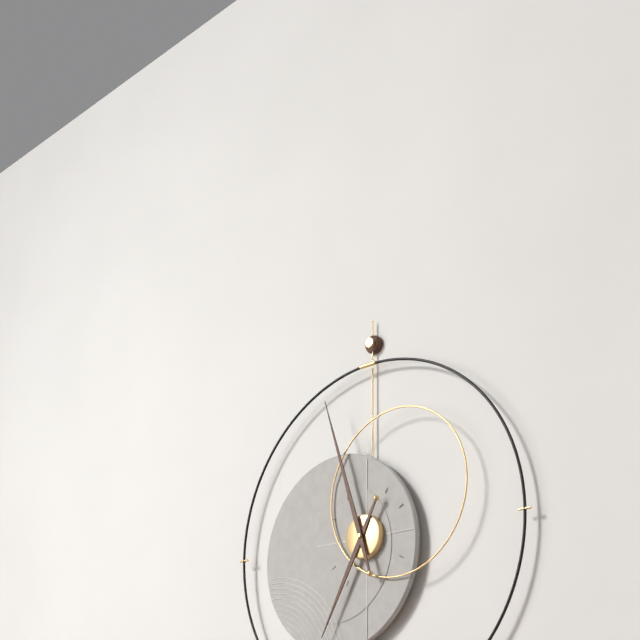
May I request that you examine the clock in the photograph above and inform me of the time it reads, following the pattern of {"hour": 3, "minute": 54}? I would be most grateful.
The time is {"hour": 6, "minute": 57}
